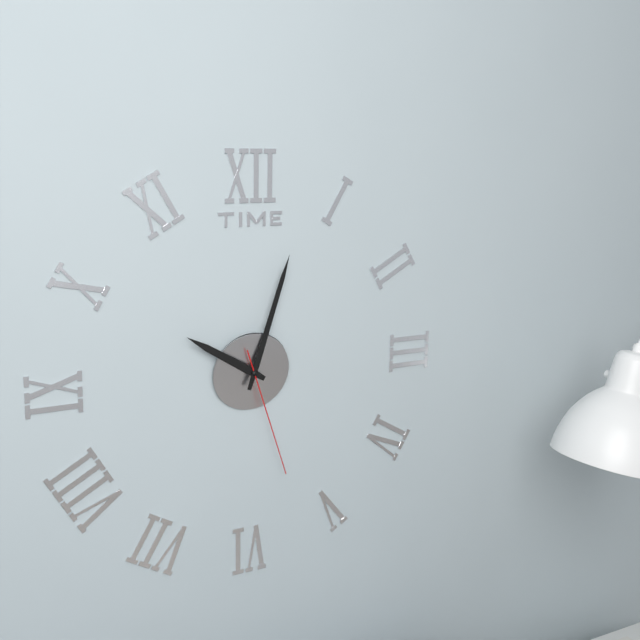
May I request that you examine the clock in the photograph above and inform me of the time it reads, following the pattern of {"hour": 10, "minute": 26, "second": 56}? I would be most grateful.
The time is {"hour": 10, "minute": 3, "second": 27}
